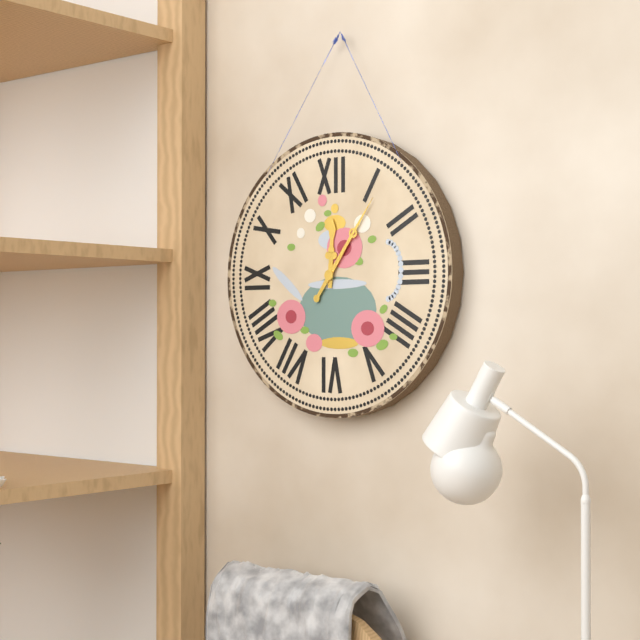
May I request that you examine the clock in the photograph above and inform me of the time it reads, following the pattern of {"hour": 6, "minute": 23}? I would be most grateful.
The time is {"hour": 12, "minute": 6}
